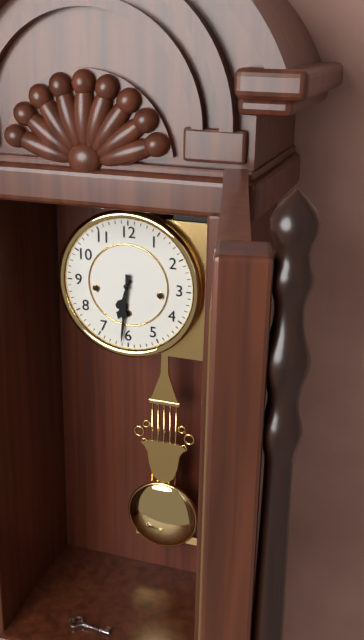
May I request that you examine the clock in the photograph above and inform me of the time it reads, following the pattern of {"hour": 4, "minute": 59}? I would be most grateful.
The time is {"hour": 6, "minute": 31}
